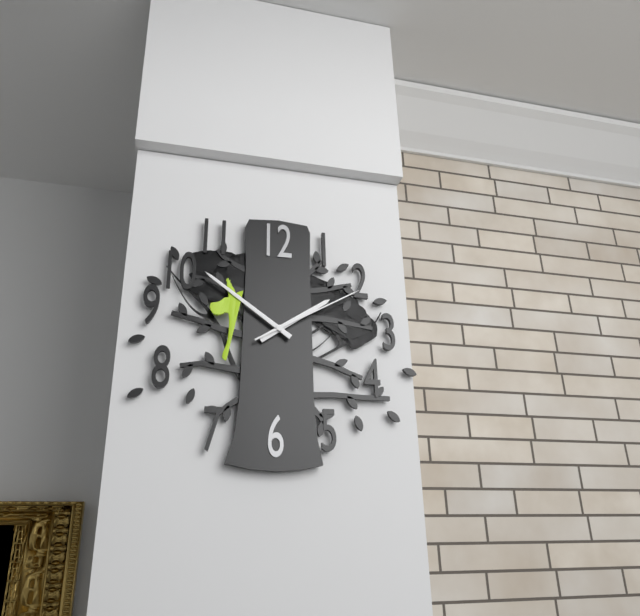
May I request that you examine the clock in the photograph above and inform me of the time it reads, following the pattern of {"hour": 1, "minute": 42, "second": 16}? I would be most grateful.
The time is {"hour": 1, "minute": 51, "second": 10}
